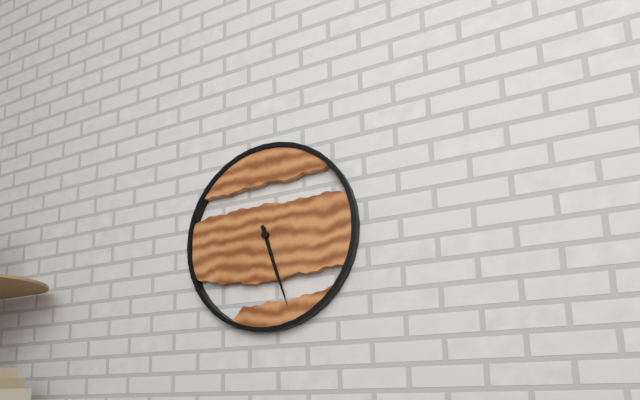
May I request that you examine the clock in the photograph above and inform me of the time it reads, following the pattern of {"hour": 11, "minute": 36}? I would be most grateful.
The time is {"hour": 5, "minute": 27}
